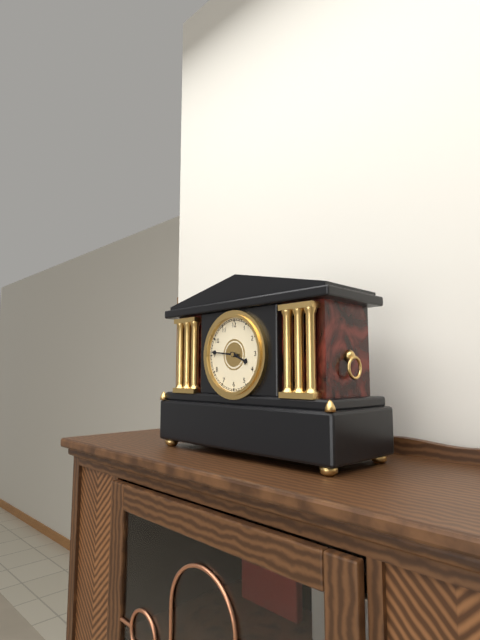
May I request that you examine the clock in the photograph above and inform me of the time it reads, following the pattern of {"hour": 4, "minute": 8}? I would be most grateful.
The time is {"hour": 3, "minute": 46}
